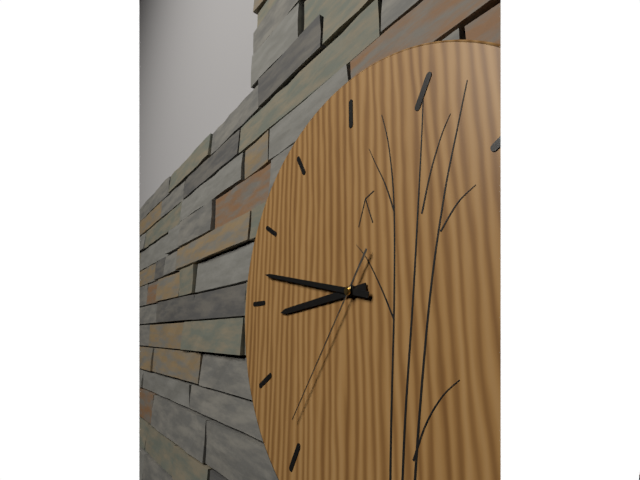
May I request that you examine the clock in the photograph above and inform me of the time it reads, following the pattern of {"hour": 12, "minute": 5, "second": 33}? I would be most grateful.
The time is {"hour": 8, "minute": 47, "second": 36}
